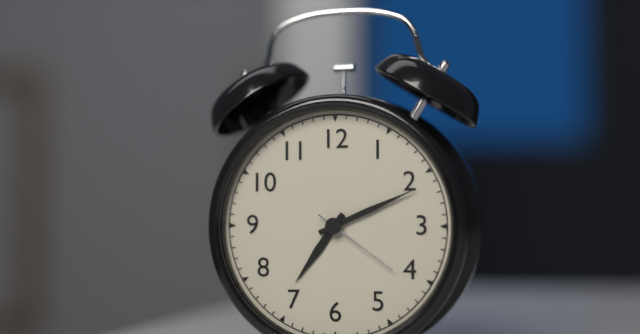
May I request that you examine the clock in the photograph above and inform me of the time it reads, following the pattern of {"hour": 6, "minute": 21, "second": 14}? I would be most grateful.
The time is {"hour": 7, "minute": 11, "second": 21}
